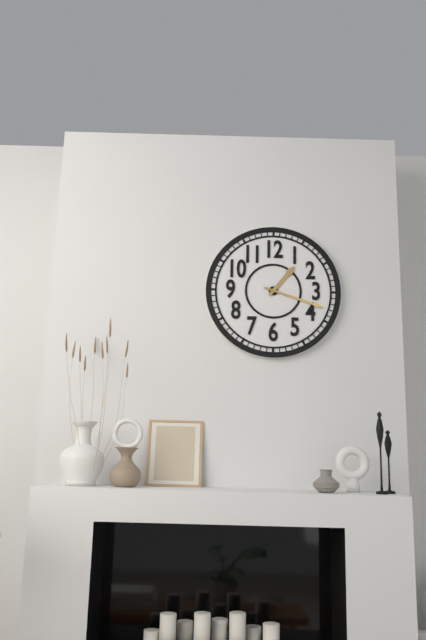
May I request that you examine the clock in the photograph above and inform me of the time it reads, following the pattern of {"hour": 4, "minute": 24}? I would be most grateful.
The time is {"hour": 1, "minute": 18}
